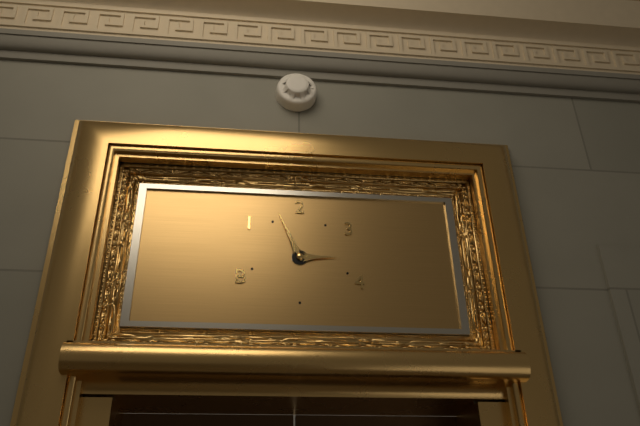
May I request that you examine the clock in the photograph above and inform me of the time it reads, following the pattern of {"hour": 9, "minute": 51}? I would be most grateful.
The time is {"hour": 2, "minute": 56}
